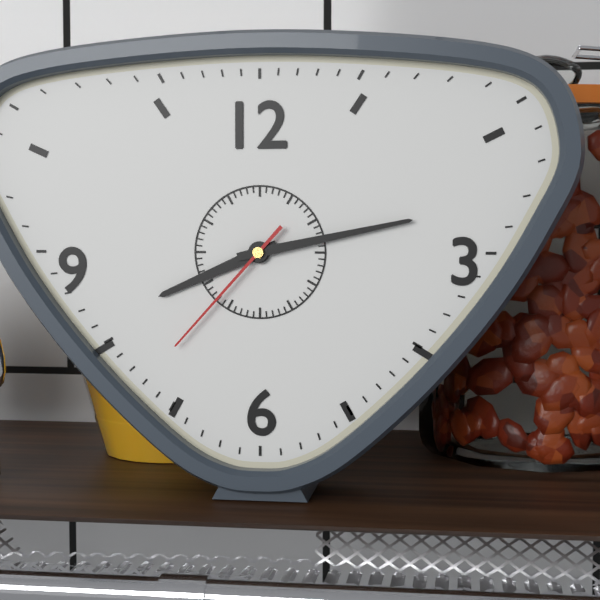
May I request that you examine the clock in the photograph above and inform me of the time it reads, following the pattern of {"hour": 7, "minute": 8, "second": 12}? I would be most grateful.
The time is {"hour": 8, "minute": 13, "second": 37}
